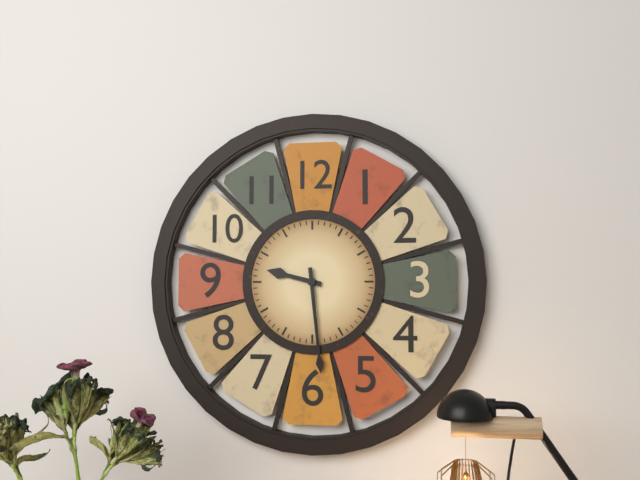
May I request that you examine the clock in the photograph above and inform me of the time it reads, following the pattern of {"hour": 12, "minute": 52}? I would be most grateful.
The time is {"hour": 9, "minute": 29}
